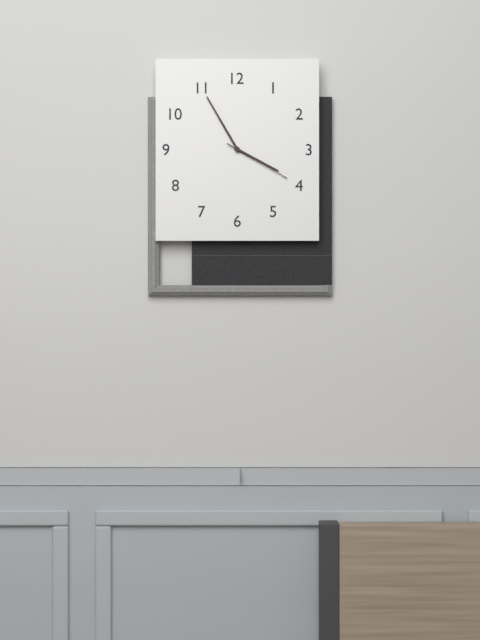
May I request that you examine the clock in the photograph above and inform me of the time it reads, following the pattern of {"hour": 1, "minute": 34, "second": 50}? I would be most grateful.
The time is {"hour": 3, "minute": 55, "second": 20}
